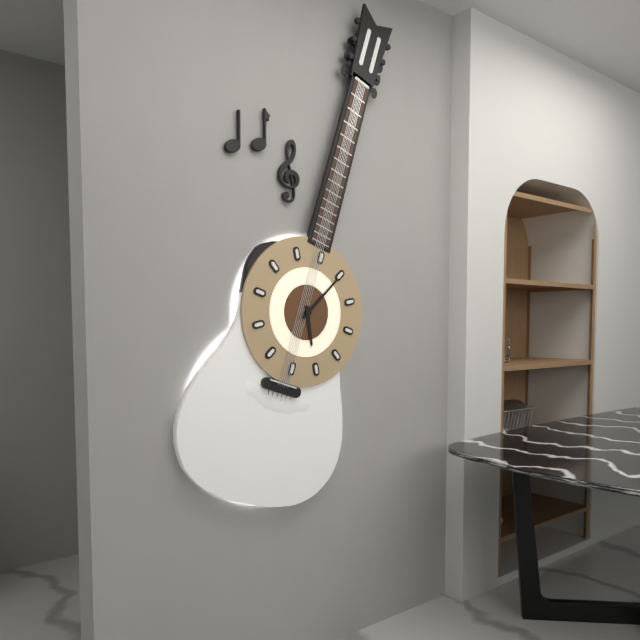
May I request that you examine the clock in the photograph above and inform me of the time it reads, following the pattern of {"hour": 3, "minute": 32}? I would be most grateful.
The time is {"hour": 5, "minute": 5}
